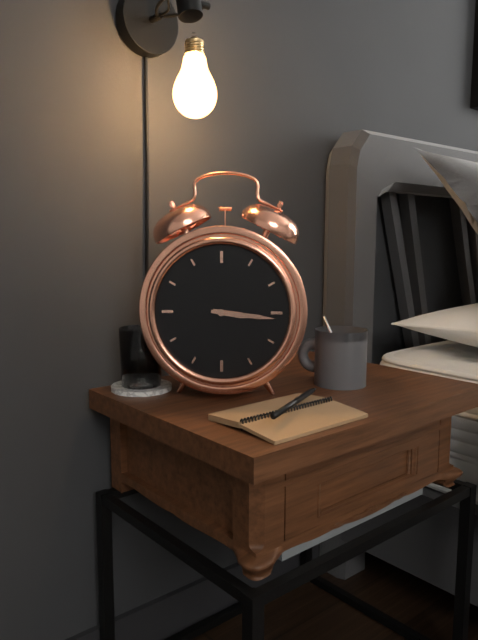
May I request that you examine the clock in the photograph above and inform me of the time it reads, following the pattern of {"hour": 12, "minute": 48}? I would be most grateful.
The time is {"hour": 3, "minute": 16}
